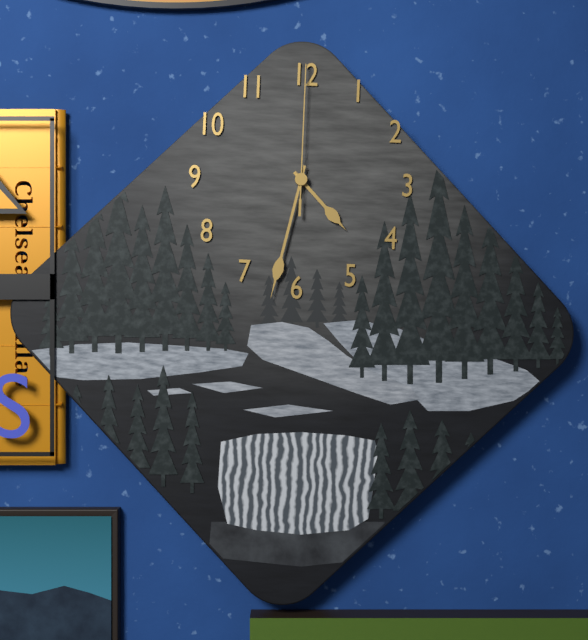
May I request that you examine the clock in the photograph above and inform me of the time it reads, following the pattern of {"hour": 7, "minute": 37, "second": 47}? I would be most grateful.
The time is {"hour": 4, "minute": 32, "second": 0}
